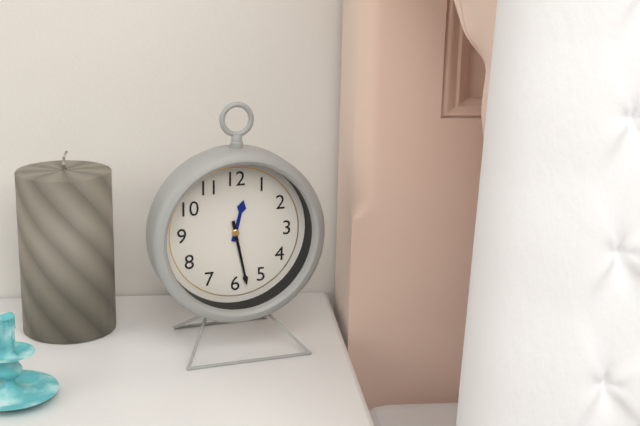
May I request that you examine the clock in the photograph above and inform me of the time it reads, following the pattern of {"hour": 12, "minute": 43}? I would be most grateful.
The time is {"hour": 12, "minute": 28}
